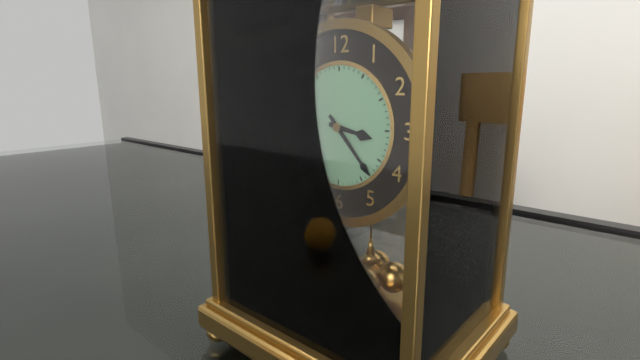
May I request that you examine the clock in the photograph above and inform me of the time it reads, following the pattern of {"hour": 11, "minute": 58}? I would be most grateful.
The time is {"hour": 3, "minute": 23}
